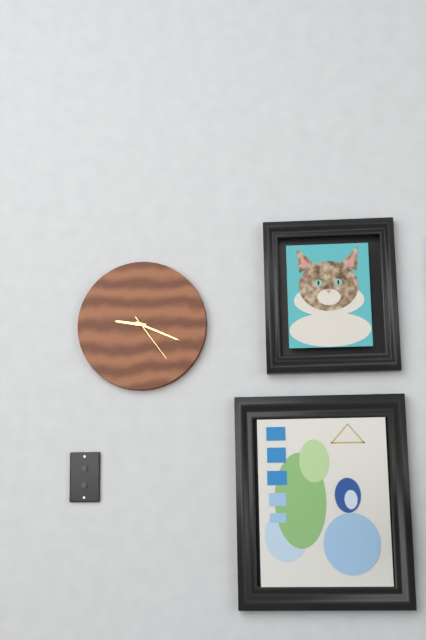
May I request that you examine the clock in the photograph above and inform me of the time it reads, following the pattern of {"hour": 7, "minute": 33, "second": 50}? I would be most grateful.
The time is {"hour": 9, "minute": 19, "second": 24}
